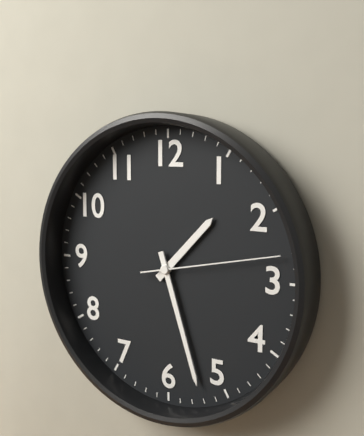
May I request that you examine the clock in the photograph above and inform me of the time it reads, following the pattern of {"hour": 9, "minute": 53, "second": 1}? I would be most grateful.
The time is {"hour": 1, "minute": 27, "second": 13}
